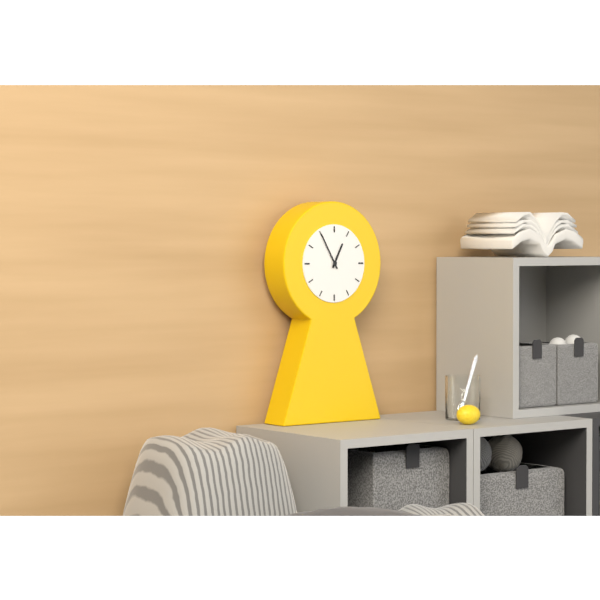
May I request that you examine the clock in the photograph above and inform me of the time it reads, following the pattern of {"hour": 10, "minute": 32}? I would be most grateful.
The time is {"hour": 12, "minute": 55}
